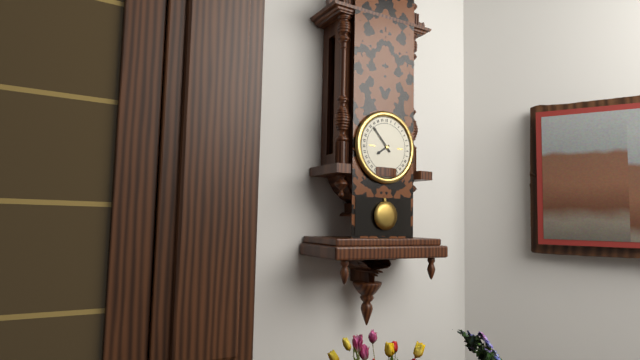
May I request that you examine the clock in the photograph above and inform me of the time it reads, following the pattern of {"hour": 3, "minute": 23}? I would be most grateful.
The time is {"hour": 7, "minute": 53}
